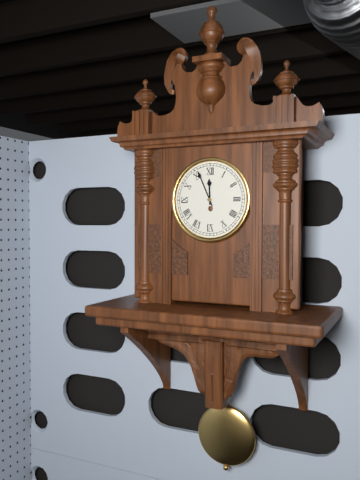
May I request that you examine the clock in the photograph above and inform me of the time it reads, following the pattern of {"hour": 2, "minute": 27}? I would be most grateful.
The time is {"hour": 11, "minute": 56}
